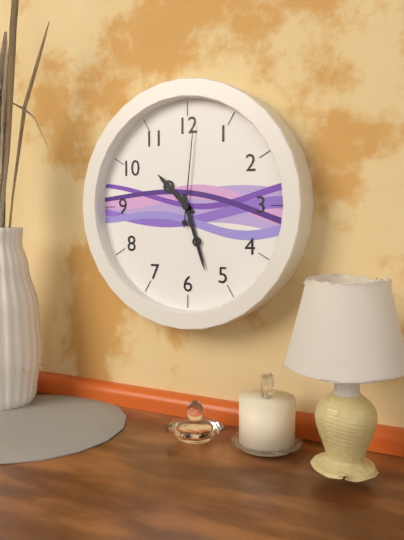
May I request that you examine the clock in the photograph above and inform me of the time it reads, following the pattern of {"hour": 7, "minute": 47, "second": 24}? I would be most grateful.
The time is {"hour": 10, "minute": 27, "second": 1}
